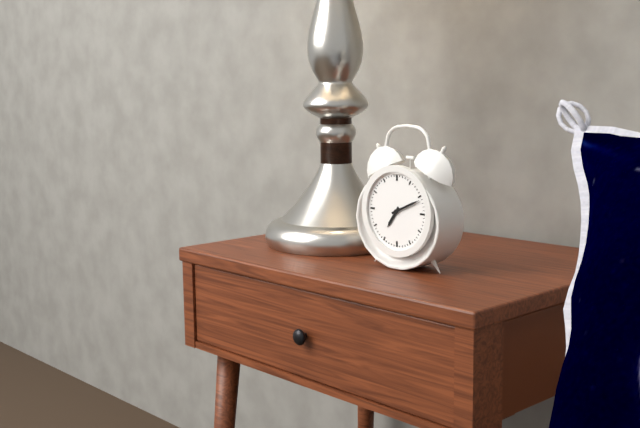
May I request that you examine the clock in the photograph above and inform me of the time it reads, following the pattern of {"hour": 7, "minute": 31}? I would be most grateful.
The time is {"hour": 7, "minute": 11}
